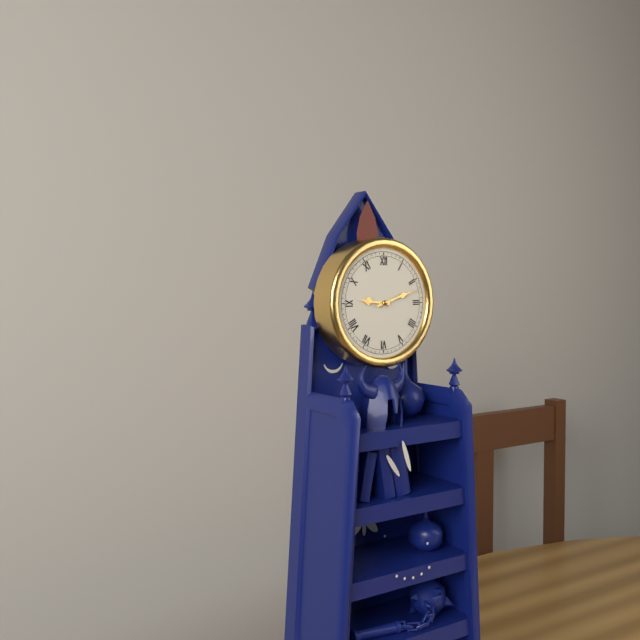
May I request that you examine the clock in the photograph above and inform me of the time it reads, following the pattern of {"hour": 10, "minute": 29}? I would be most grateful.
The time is {"hour": 9, "minute": 12}
